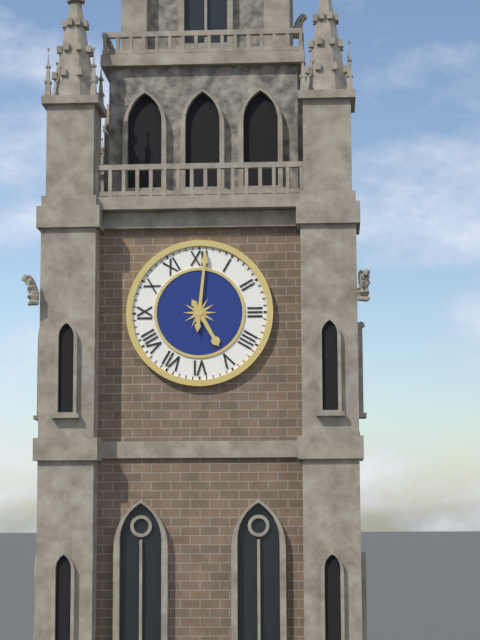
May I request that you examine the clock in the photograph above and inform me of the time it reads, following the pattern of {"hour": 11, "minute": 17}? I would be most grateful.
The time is {"hour": 5, "minute": 1}
